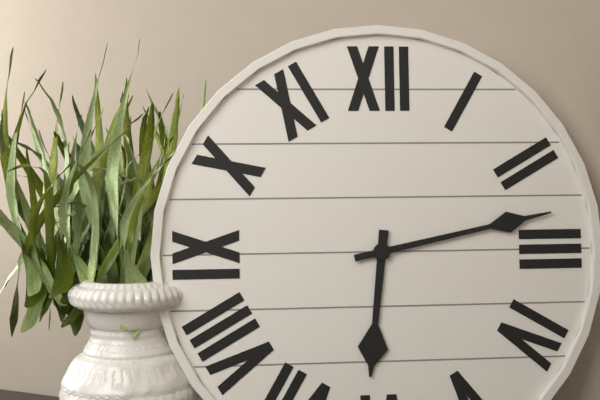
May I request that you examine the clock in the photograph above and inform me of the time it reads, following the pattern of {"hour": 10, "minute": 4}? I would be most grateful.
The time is {"hour": 6, "minute": 13}
